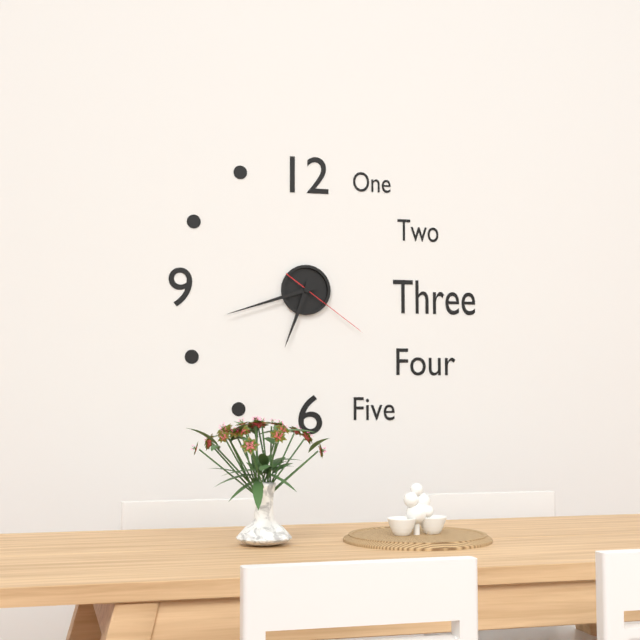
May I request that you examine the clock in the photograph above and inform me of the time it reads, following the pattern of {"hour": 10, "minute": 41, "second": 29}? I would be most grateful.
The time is {"hour": 6, "minute": 42, "second": 21}
